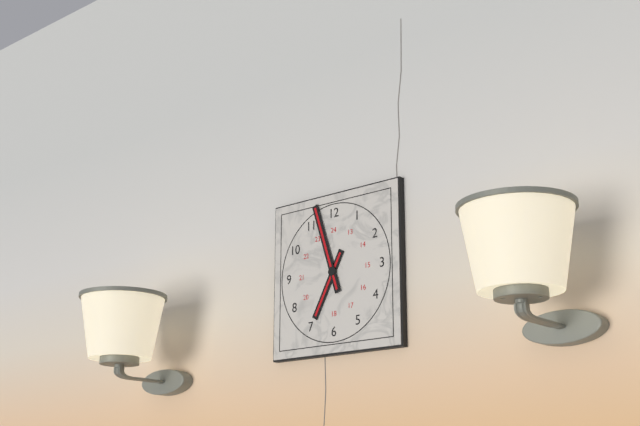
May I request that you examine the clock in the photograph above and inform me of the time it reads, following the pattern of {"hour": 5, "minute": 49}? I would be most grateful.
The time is {"hour": 6, "minute": 57}
